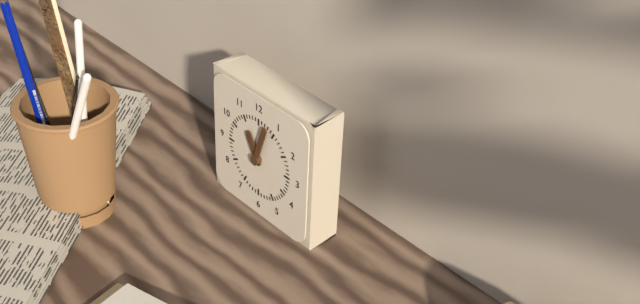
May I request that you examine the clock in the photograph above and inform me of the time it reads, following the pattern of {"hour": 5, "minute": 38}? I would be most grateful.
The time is {"hour": 11, "minute": 3}
